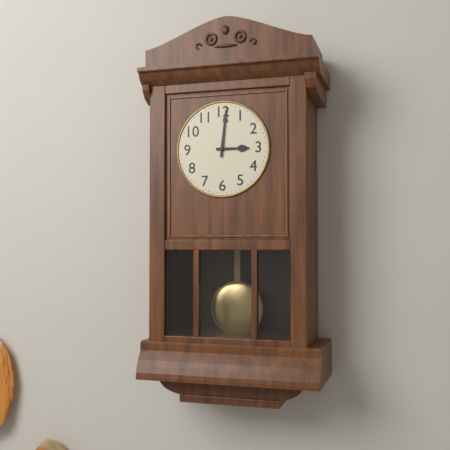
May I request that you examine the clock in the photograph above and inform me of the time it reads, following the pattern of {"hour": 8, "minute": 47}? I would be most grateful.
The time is {"hour": 3, "minute": 1}
